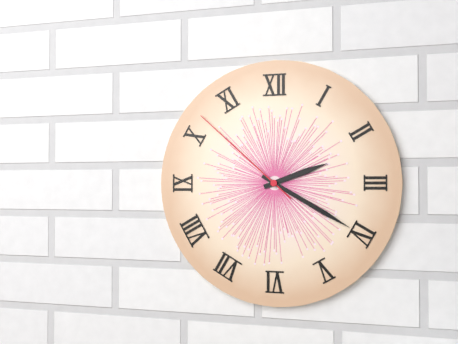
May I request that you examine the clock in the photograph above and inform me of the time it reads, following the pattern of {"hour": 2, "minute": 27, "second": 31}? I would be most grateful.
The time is {"hour": 2, "minute": 20, "second": 52}
